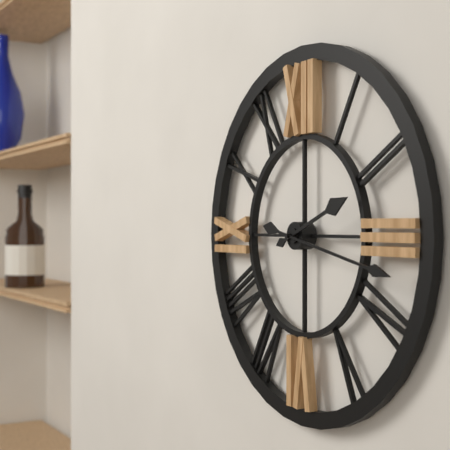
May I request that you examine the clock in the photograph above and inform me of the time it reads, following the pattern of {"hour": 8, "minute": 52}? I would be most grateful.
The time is {"hour": 2, "minute": 17}
